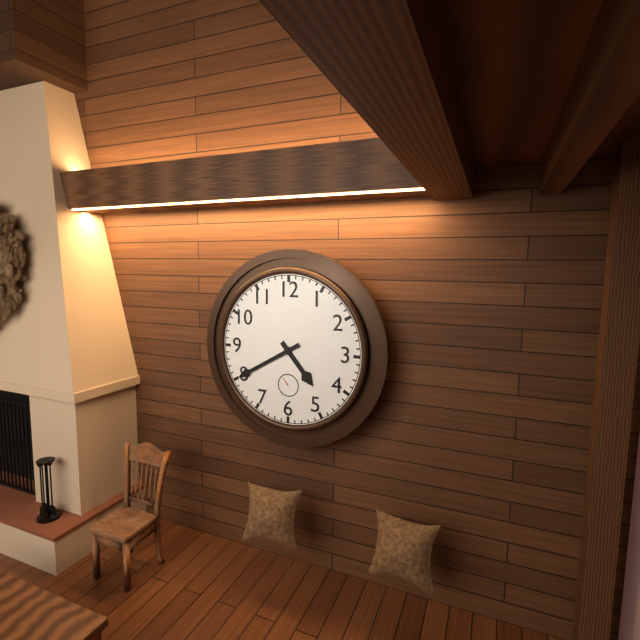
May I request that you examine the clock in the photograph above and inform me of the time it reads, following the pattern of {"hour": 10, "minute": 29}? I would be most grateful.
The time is {"hour": 4, "minute": 40}
